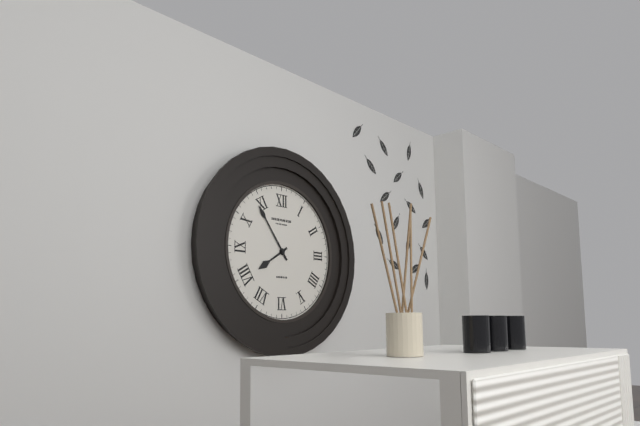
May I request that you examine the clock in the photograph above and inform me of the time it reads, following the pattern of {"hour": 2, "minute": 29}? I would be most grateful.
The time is {"hour": 7, "minute": 54}
